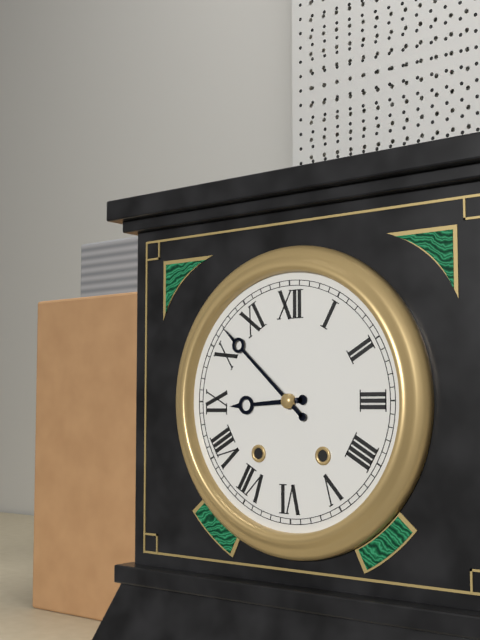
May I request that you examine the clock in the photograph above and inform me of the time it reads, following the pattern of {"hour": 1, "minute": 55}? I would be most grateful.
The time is {"hour": 8, "minute": 52}
